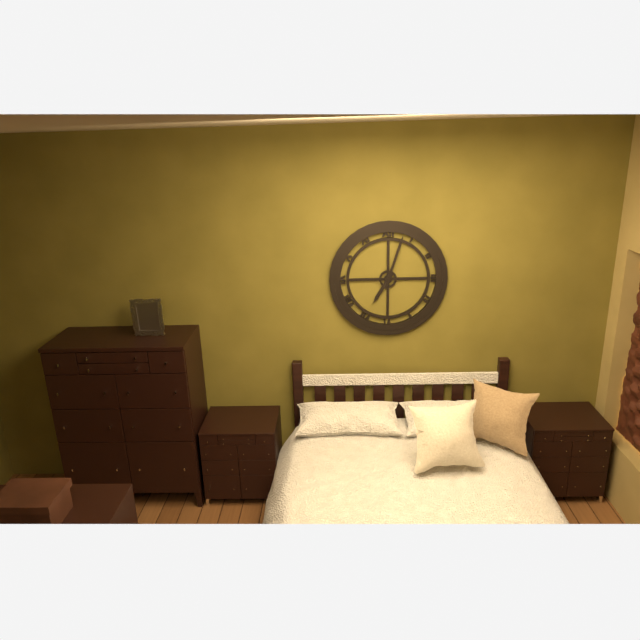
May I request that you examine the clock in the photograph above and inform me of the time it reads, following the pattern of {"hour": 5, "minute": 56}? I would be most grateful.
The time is {"hour": 7, "minute": 3}
